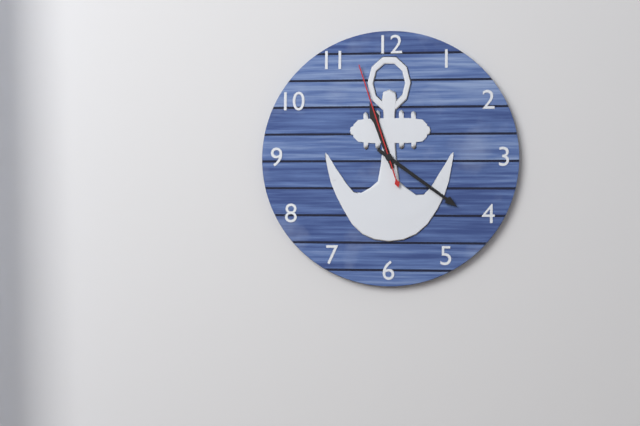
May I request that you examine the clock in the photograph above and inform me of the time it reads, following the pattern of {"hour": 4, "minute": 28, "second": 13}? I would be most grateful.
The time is {"hour": 11, "minute": 21, "second": 57}
